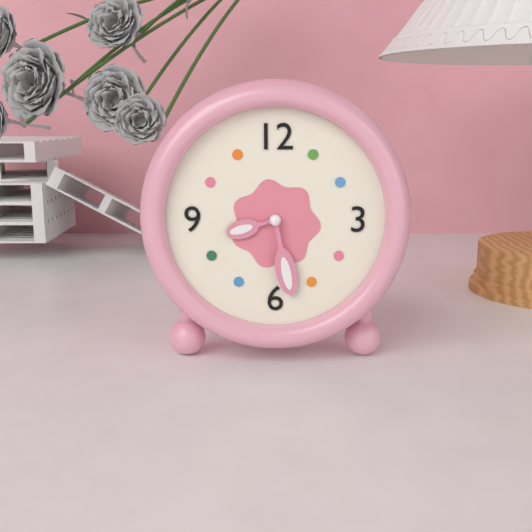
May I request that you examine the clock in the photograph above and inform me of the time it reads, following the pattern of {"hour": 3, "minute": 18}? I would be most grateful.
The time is {"hour": 8, "minute": 28}
